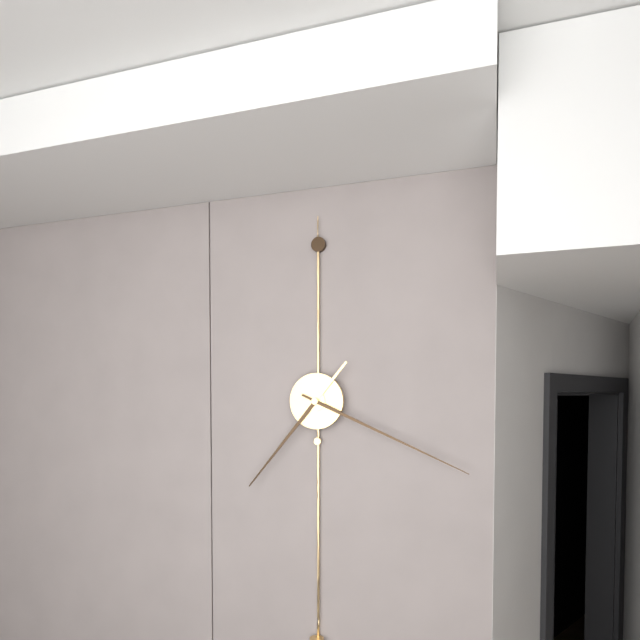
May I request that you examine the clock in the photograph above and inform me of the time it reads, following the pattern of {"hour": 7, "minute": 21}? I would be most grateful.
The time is {"hour": 7, "minute": 19}
